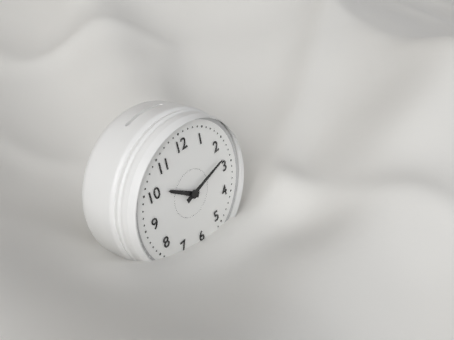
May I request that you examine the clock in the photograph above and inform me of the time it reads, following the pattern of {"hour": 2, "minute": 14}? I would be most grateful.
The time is {"hour": 10, "minute": 13}
